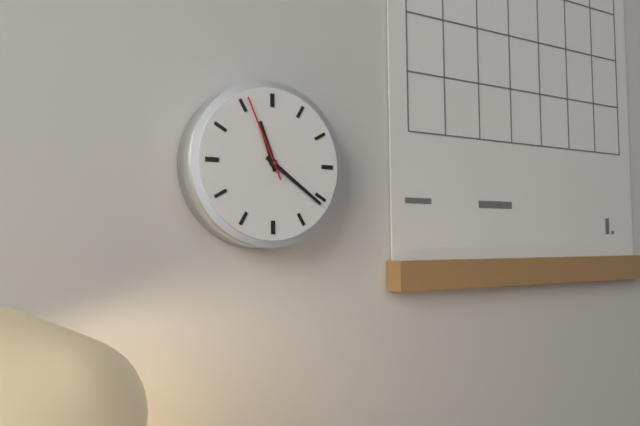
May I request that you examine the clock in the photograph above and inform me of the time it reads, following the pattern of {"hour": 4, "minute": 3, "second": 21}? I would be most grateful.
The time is {"hour": 11, "minute": 21, "second": 56}
